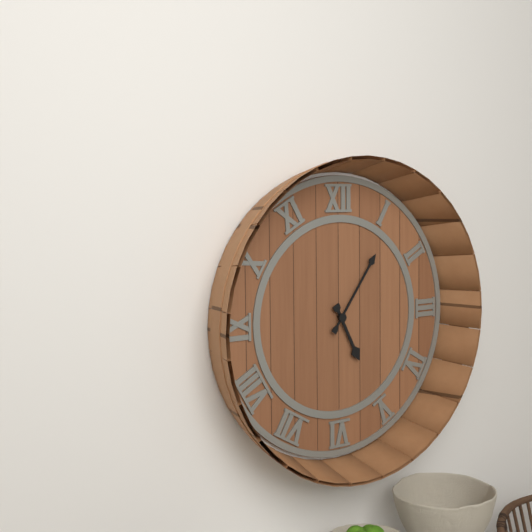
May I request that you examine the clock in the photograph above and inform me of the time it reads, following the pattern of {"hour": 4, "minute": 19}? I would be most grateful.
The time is {"hour": 5, "minute": 6}
